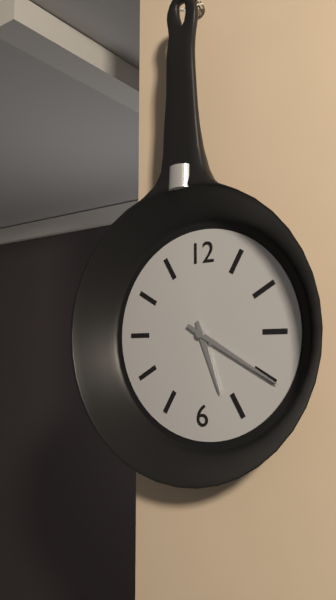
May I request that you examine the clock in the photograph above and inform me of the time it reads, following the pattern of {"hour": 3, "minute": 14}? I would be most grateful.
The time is {"hour": 5, "minute": 20}
